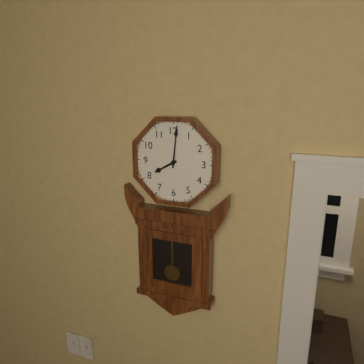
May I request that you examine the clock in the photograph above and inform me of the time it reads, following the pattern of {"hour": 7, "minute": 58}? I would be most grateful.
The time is {"hour": 8, "minute": 1}
